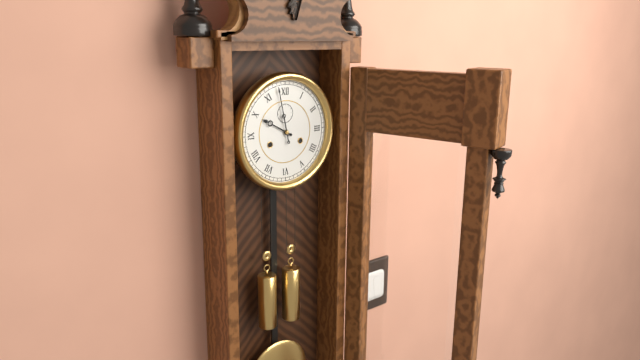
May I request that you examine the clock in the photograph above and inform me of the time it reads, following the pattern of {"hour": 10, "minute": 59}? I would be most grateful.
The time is {"hour": 9, "minute": 58}
